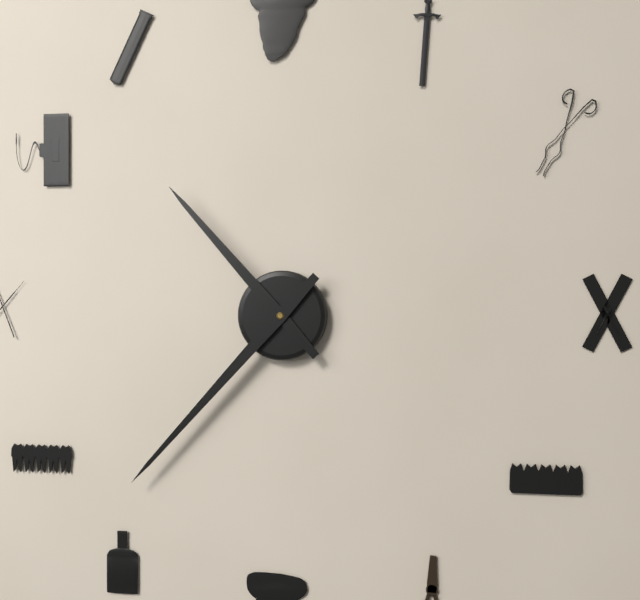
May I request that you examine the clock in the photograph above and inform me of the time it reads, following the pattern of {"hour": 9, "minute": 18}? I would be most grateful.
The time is {"hour": 10, "minute": 37}
